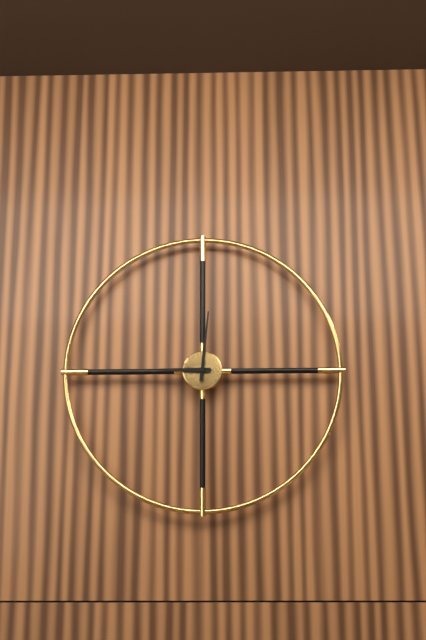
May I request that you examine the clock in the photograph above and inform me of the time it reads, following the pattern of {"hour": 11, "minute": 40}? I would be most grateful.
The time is {"hour": 9, "minute": 1}
